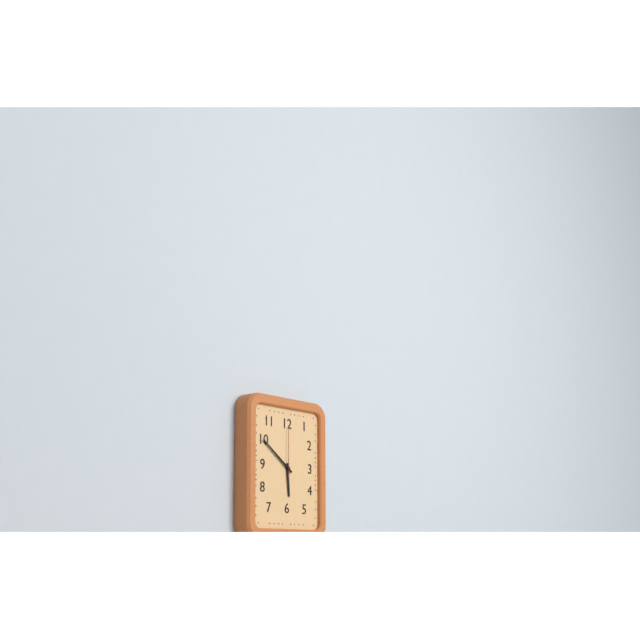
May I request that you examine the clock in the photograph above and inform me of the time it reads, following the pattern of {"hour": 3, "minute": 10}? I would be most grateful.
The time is {"hour": 5, "minute": 51}
